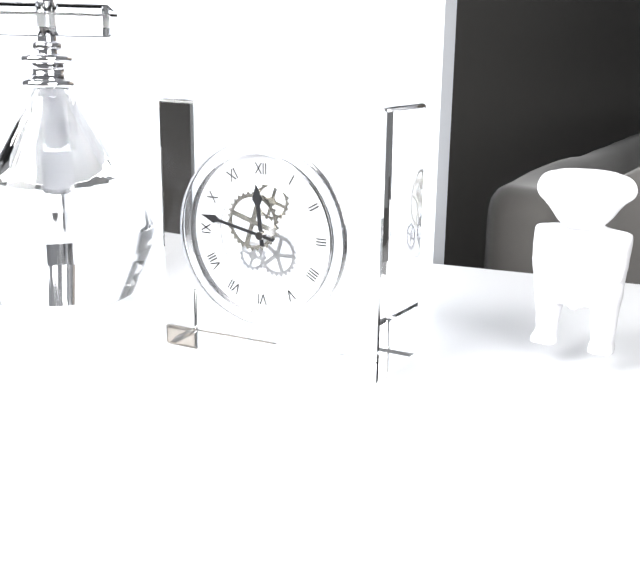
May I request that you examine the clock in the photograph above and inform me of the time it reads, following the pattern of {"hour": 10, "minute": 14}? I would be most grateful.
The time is {"hour": 11, "minute": 47}
